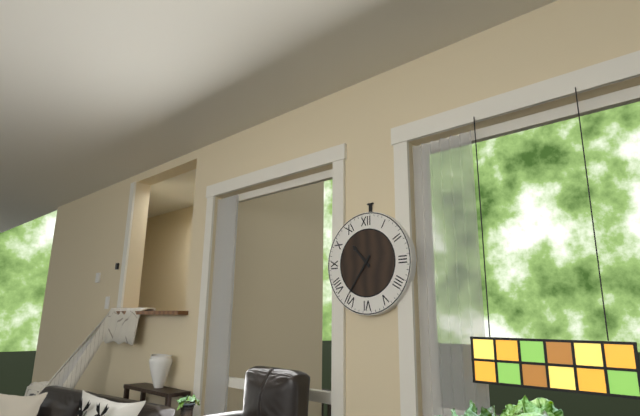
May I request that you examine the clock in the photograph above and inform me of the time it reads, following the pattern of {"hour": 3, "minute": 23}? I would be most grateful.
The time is {"hour": 10, "minute": 36}
